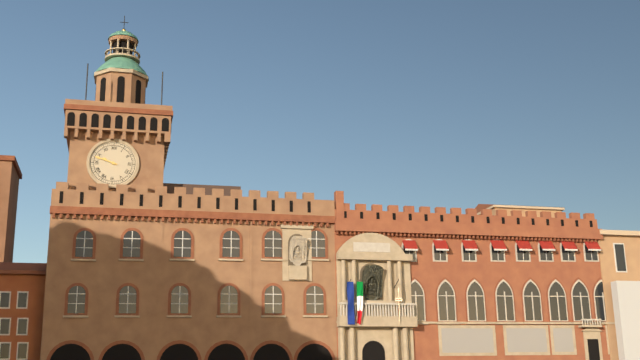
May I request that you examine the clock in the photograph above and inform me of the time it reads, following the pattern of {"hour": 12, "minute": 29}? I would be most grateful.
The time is {"hour": 9, "minute": 48}
